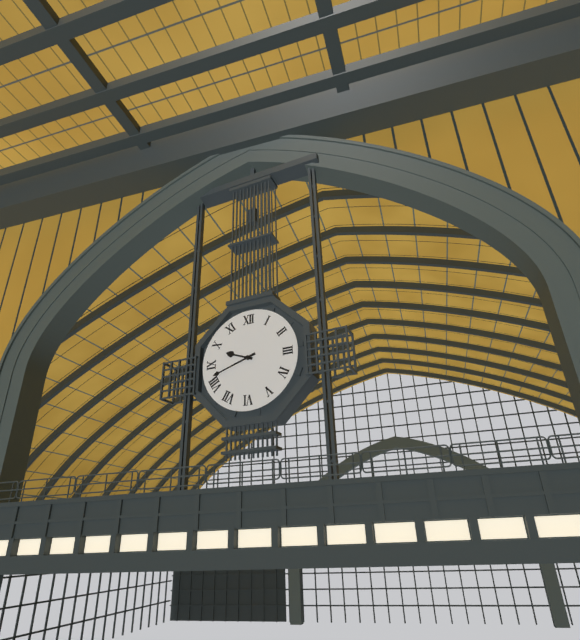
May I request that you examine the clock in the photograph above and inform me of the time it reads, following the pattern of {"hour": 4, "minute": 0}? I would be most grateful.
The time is {"hour": 9, "minute": 42}
